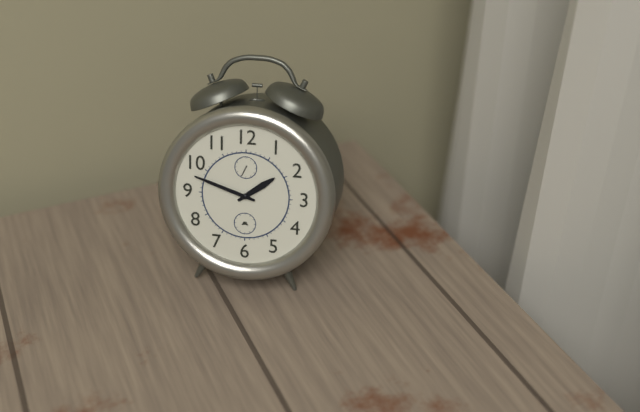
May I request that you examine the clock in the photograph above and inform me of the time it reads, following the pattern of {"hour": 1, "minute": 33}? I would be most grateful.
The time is {"hour": 1, "minute": 48}
